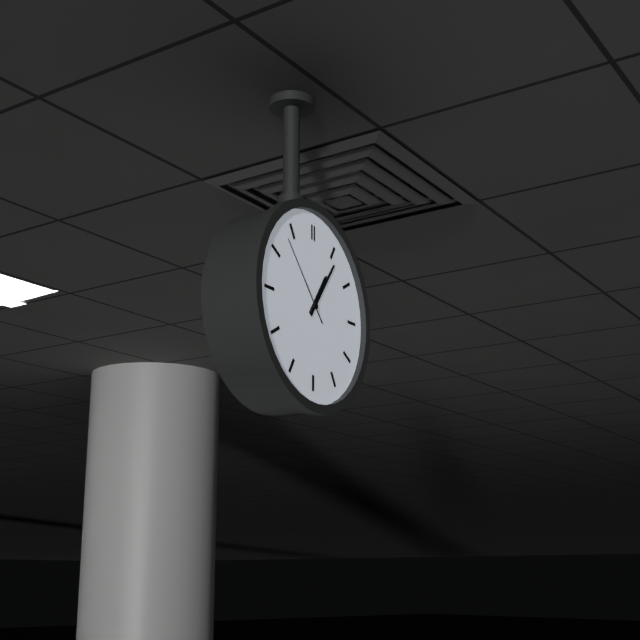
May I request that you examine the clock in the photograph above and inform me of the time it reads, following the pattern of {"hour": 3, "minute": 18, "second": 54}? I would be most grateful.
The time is {"hour": 1, "minute": 6, "second": 53}
